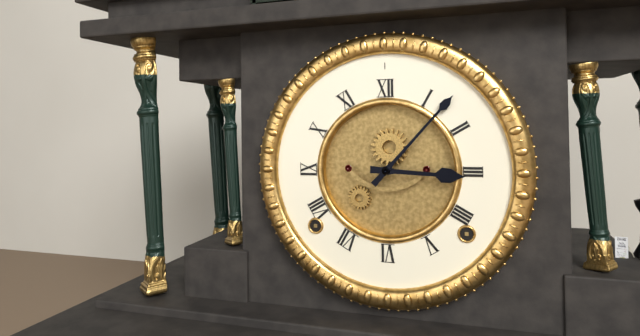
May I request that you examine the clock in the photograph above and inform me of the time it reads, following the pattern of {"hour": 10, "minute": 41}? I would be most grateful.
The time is {"hour": 3, "minute": 7}
